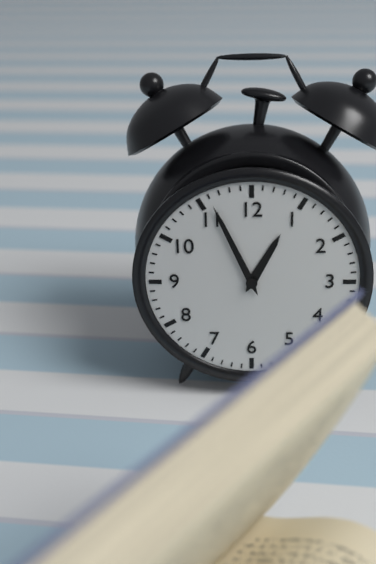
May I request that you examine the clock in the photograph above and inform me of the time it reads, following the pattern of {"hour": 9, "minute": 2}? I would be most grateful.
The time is {"hour": 12, "minute": 56}
